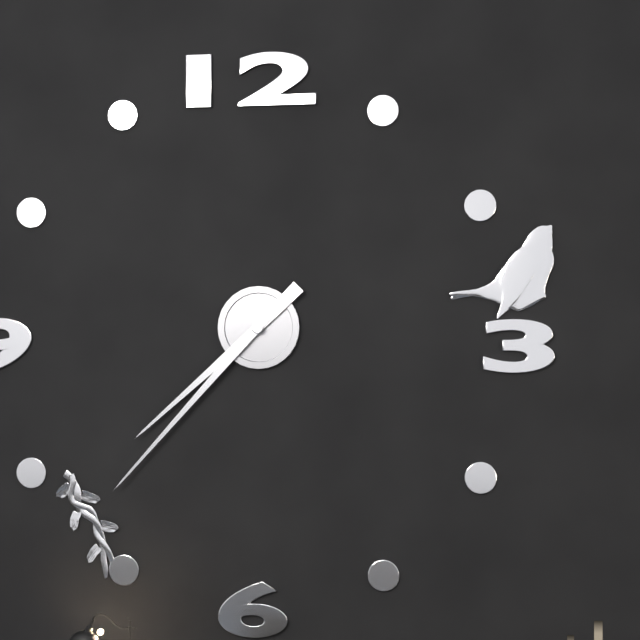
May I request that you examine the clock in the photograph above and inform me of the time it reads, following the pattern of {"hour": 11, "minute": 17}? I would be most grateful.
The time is {"hour": 7, "minute": 37}
